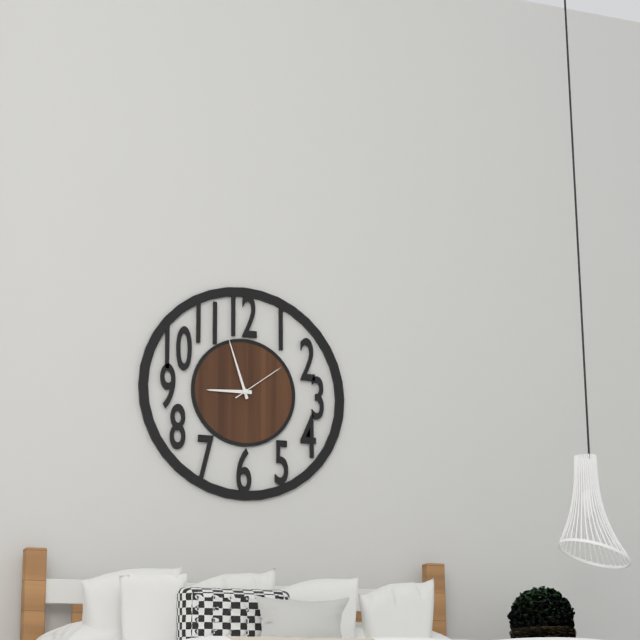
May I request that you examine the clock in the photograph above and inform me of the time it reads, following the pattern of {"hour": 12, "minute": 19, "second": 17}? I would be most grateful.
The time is {"hour": 8, "minute": 57, "second": 9}
